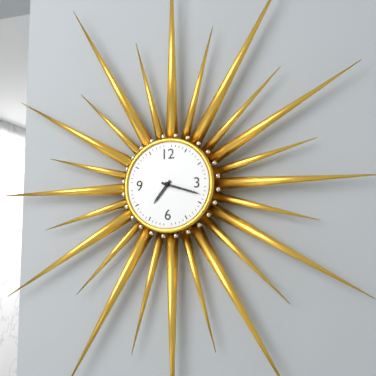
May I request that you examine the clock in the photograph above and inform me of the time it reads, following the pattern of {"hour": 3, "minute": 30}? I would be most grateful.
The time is {"hour": 7, "minute": 18}
